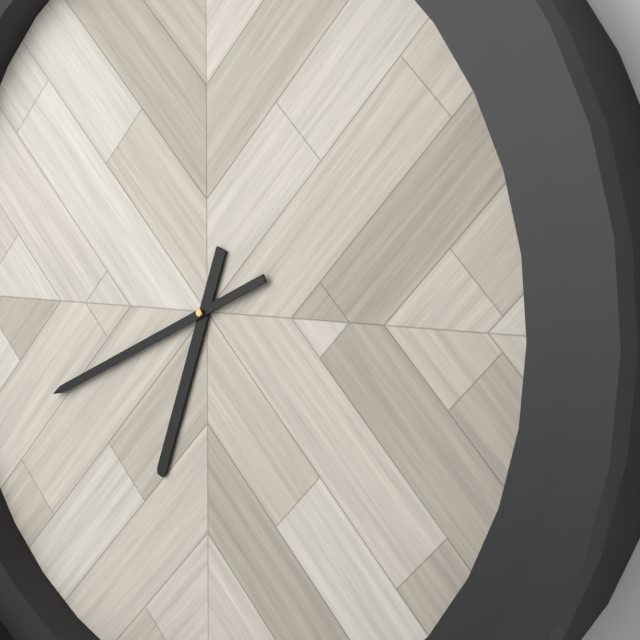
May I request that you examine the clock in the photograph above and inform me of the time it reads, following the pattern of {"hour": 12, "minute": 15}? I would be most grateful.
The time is {"hour": 6, "minute": 41}
